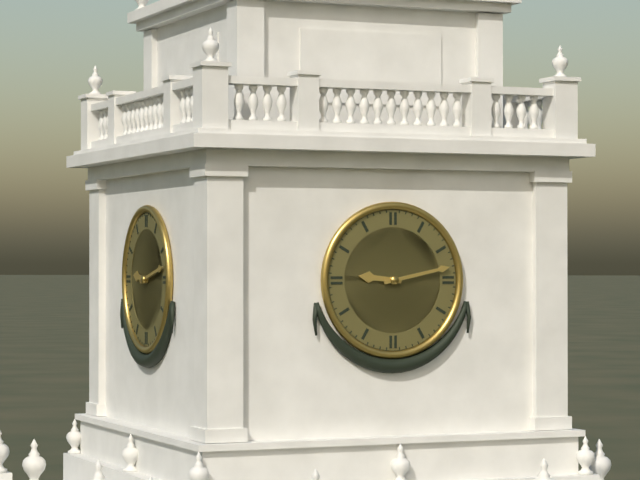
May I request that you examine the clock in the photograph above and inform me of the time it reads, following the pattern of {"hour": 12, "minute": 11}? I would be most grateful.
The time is {"hour": 9, "minute": 13}
